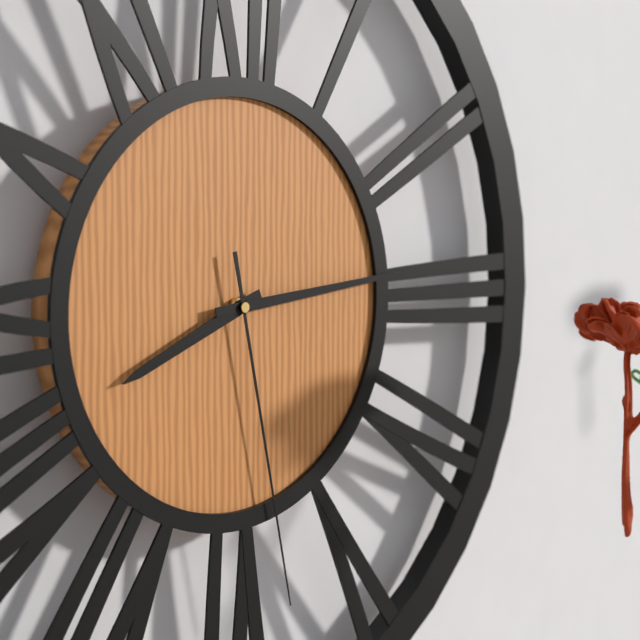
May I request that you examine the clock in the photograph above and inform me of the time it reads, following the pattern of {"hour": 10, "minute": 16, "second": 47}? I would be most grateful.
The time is {"hour": 8, "minute": 14, "second": 28}
